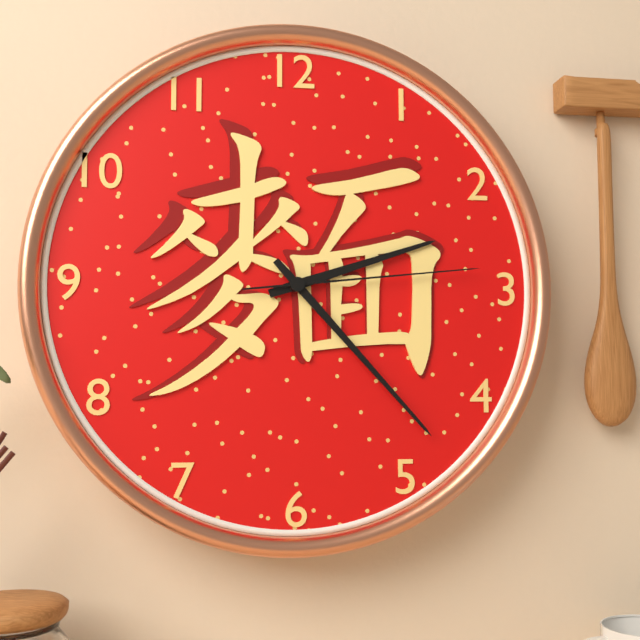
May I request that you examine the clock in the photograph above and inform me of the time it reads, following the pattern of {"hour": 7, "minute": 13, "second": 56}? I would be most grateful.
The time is {"hour": 2, "minute": 23, "second": 14}
